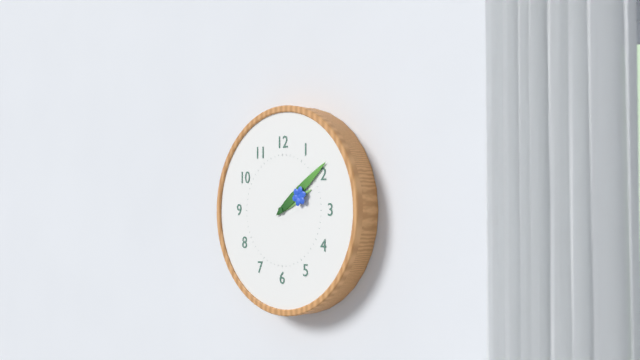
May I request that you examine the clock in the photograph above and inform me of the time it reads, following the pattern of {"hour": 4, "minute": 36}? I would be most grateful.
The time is {"hour": 2, "minute": 9}
